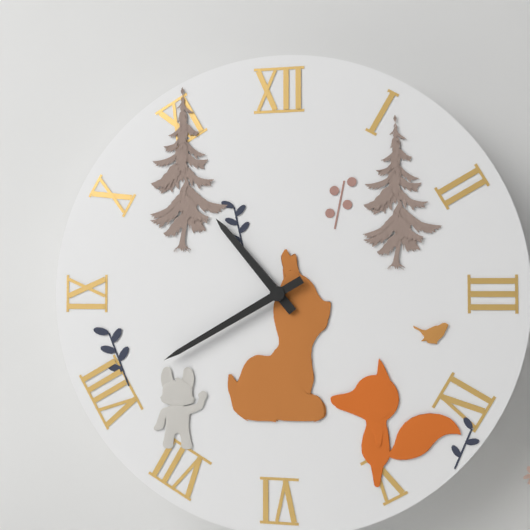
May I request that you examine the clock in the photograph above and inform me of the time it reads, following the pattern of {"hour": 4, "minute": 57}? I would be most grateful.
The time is {"hour": 10, "minute": 40}
